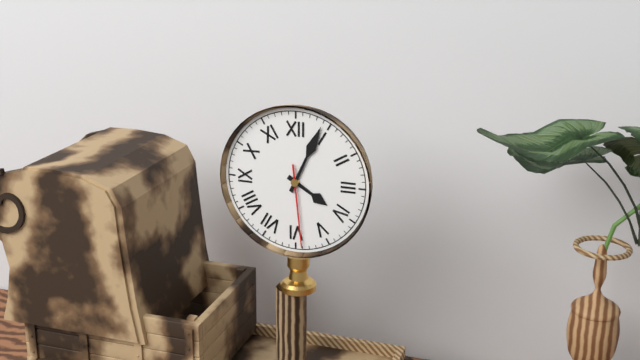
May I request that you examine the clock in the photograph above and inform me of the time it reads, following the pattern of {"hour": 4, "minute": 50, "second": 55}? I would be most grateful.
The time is {"hour": 4, "minute": 4, "second": 29}
